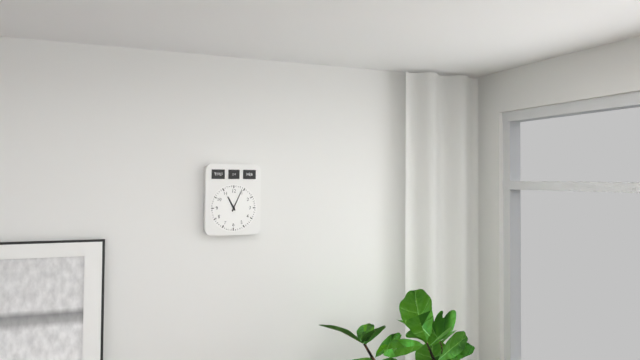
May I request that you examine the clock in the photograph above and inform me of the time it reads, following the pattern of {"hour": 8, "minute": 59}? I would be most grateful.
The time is {"hour": 11, "minute": 4}
